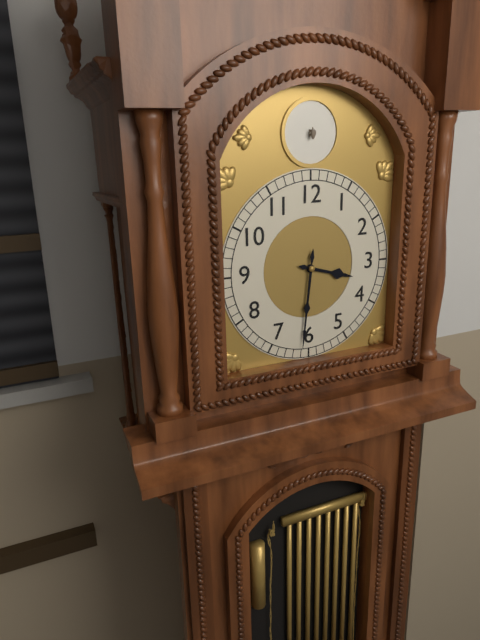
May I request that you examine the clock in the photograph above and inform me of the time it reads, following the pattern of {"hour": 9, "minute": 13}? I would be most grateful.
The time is {"hour": 3, "minute": 31}
